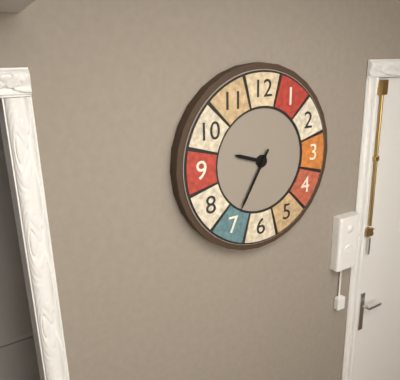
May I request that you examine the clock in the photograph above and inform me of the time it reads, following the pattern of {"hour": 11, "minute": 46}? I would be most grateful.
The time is {"hour": 9, "minute": 35}
